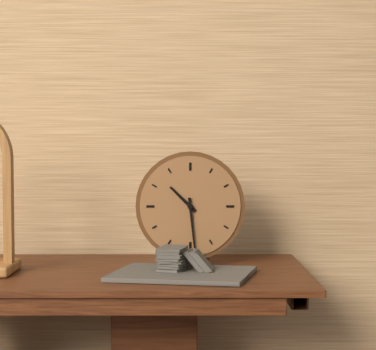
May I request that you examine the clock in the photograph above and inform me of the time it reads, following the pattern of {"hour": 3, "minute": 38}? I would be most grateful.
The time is {"hour": 10, "minute": 29}
